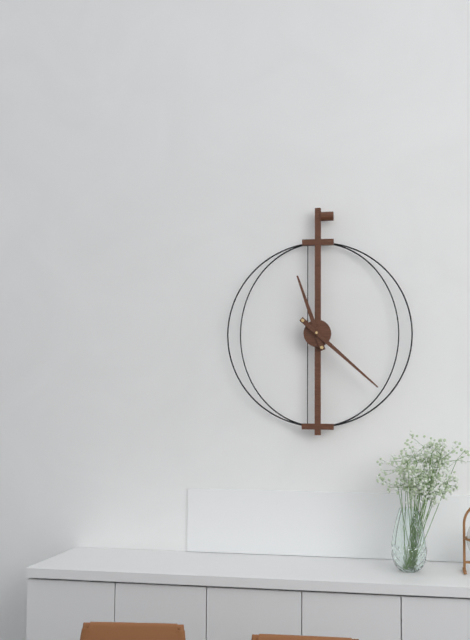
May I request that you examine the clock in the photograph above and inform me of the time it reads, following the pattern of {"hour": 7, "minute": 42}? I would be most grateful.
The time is {"hour": 11, "minute": 22}
